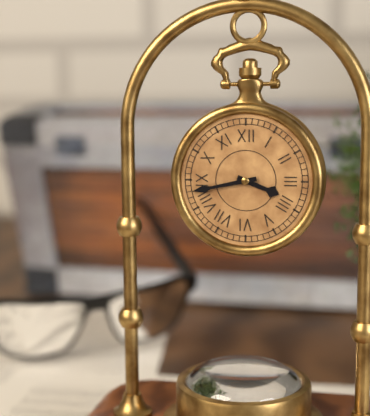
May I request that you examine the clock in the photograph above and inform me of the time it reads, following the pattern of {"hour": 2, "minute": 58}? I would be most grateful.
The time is {"hour": 3, "minute": 43}
